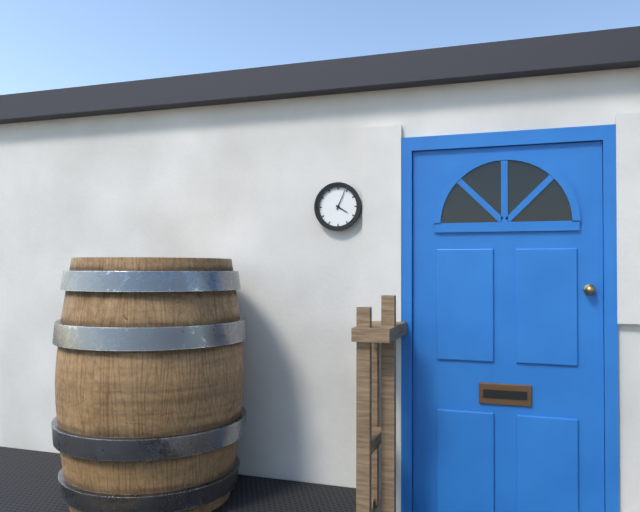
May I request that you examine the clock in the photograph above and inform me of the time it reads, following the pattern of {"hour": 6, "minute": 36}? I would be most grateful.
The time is {"hour": 4, "minute": 4}
